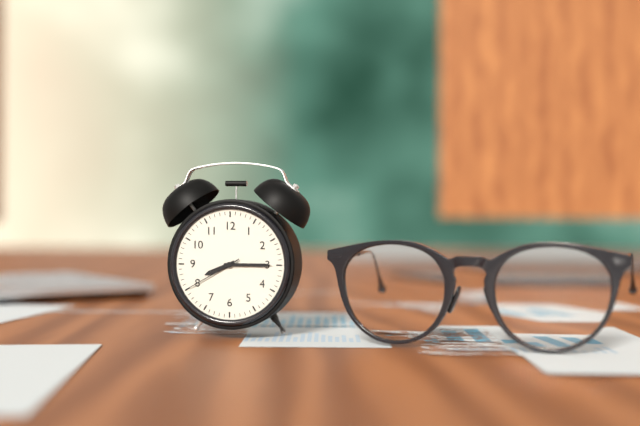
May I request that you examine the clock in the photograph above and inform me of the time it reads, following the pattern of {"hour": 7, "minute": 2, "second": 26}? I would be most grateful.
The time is {"hour": 8, "minute": 15, "second": 40}
